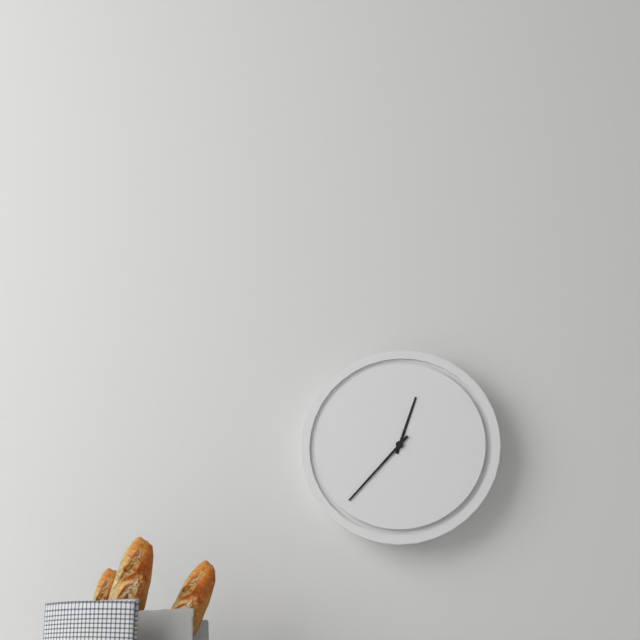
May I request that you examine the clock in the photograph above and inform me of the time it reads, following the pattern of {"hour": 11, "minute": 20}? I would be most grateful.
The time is {"hour": 12, "minute": 37}
